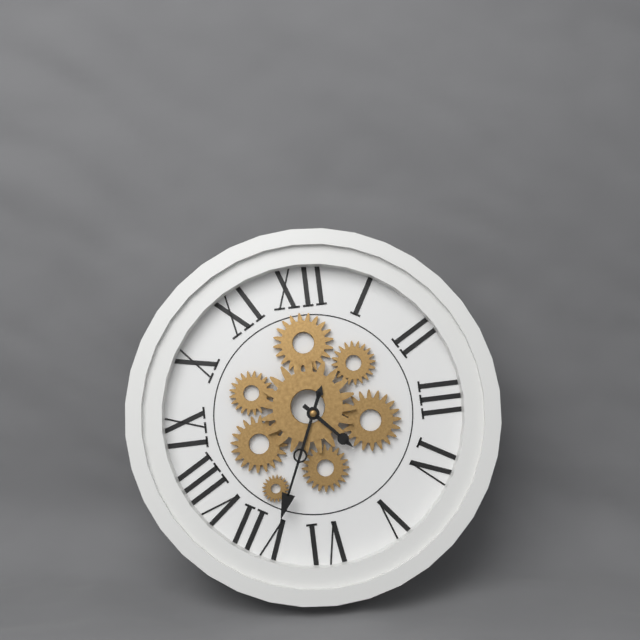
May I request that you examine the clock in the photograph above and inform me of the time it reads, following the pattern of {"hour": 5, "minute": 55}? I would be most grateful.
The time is {"hour": 4, "minute": 34}
